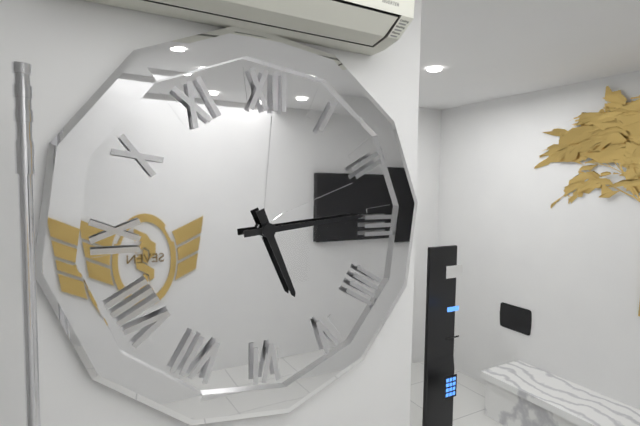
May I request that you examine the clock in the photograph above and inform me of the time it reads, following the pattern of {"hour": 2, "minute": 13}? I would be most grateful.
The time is {"hour": 5, "minute": 14}
